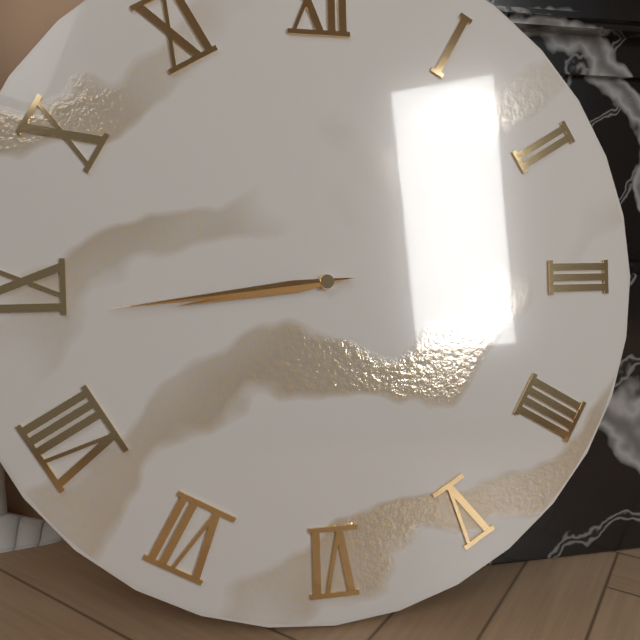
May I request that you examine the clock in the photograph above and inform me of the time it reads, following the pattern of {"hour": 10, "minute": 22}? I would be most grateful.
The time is {"hour": 8, "minute": 44}
